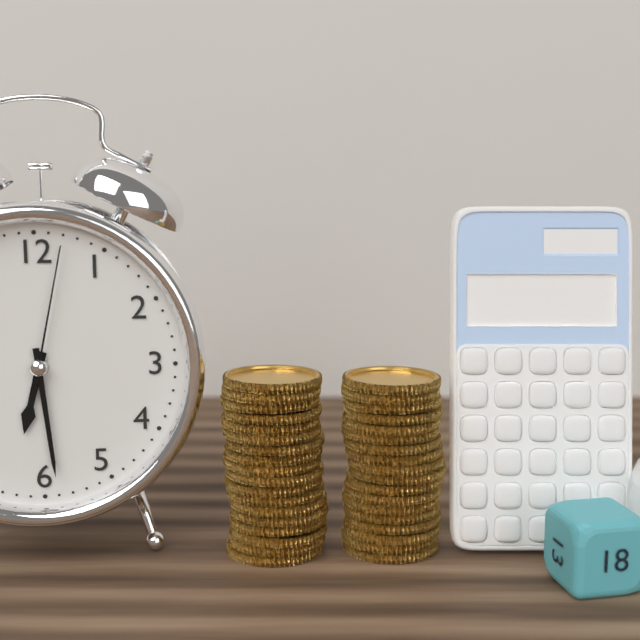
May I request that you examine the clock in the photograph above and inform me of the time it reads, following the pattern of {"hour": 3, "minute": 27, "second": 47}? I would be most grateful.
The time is {"hour": 6, "minute": 29, "second": 2}
